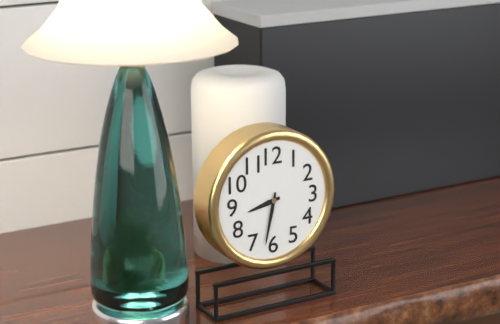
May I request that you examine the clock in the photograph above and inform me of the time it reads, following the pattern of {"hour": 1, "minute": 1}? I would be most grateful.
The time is {"hour": 8, "minute": 32}
